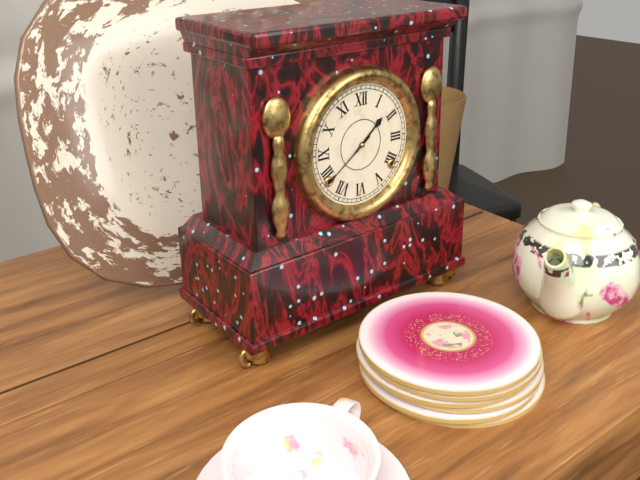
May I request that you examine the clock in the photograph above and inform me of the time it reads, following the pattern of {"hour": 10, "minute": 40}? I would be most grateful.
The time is {"hour": 1, "minute": 39}
